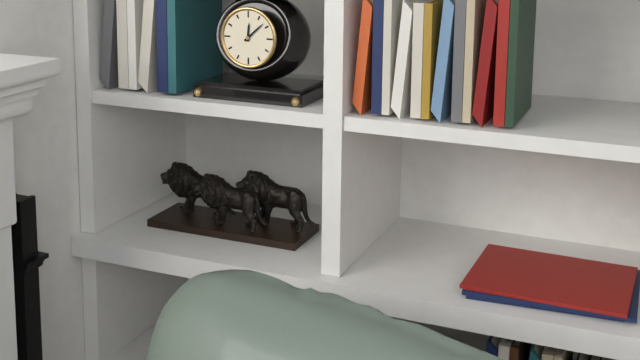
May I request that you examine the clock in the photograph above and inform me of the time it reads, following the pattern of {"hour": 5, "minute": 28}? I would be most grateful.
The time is {"hour": 12, "minute": 8}
